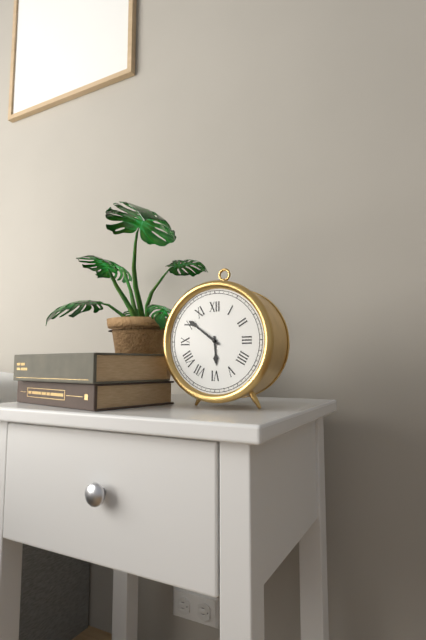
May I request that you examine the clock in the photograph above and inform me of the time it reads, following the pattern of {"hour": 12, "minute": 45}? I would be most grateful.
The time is {"hour": 5, "minute": 51}
